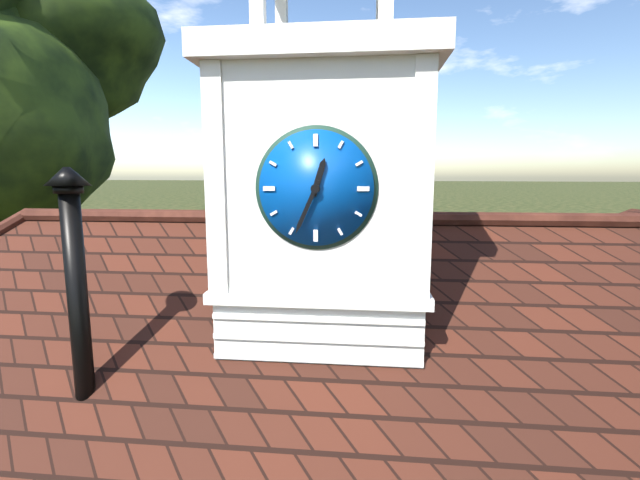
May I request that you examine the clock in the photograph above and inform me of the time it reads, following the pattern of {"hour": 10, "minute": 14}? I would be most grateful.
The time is {"hour": 12, "minute": 34}
